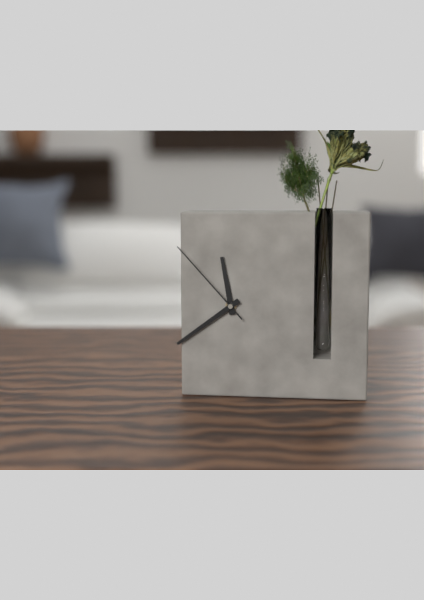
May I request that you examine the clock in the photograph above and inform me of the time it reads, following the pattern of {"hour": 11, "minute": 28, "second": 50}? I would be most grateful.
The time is {"hour": 11, "minute": 39, "second": 53}
